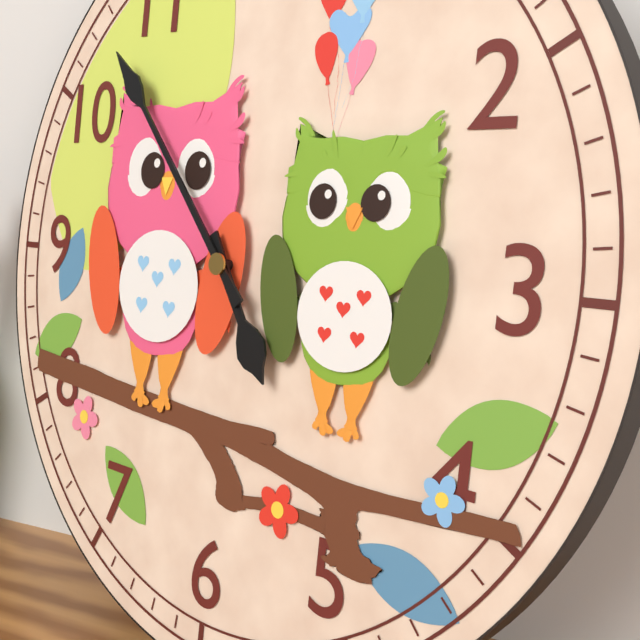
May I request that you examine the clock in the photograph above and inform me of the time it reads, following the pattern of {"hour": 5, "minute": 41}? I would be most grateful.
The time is {"hour": 4, "minute": 53}
